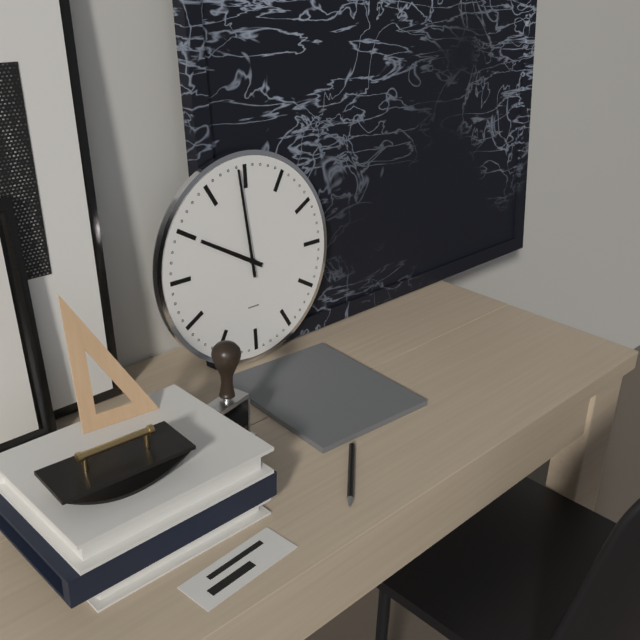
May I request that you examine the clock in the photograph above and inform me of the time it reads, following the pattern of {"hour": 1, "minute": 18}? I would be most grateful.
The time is {"hour": 9, "minute": 59}
